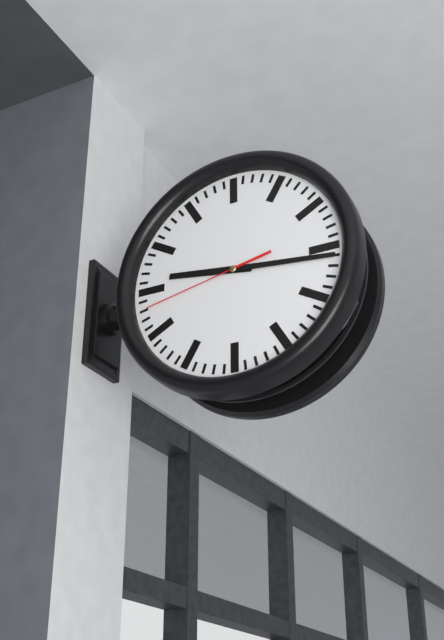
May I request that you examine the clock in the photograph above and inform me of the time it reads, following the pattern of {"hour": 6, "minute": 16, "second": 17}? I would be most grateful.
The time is {"hour": 9, "minute": 16, "second": 43}
